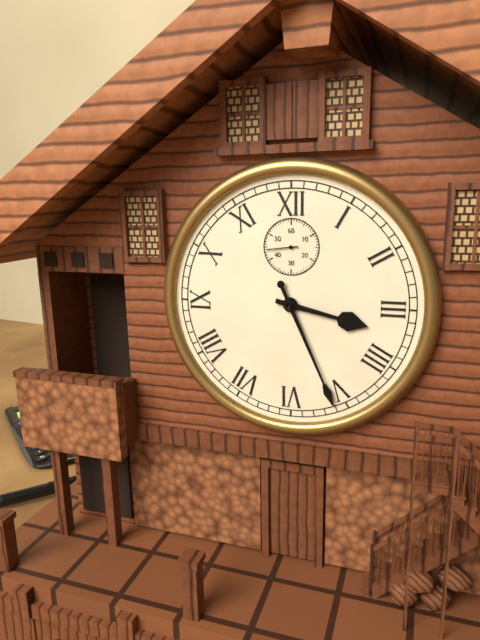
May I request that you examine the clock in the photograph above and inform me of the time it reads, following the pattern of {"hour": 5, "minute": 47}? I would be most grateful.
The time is {"hour": 3, "minute": 26}
